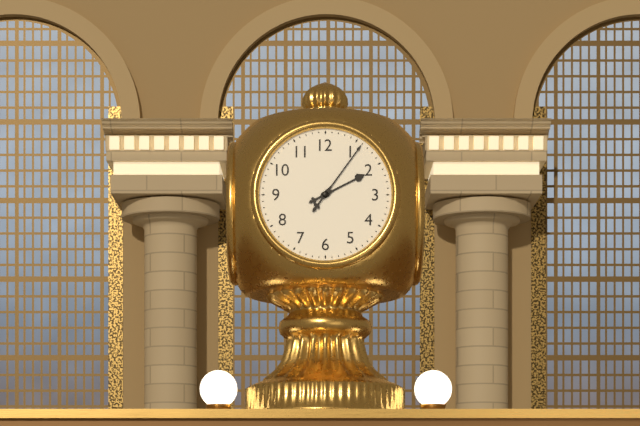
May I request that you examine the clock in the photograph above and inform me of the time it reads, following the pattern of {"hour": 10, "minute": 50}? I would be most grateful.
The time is {"hour": 2, "minute": 6}
